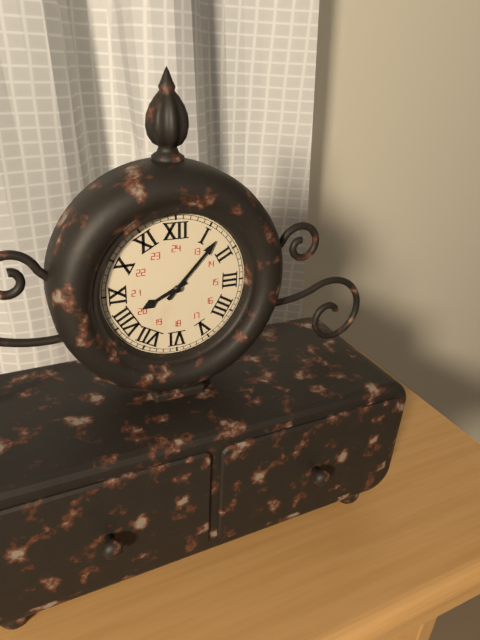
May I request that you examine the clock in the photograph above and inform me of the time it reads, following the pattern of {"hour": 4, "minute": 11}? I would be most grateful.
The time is {"hour": 8, "minute": 7}
